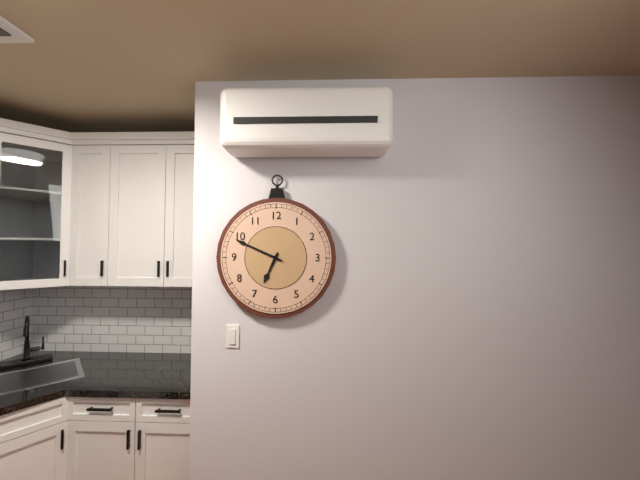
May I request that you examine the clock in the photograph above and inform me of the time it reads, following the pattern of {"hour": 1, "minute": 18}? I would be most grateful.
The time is {"hour": 6, "minute": 49}
